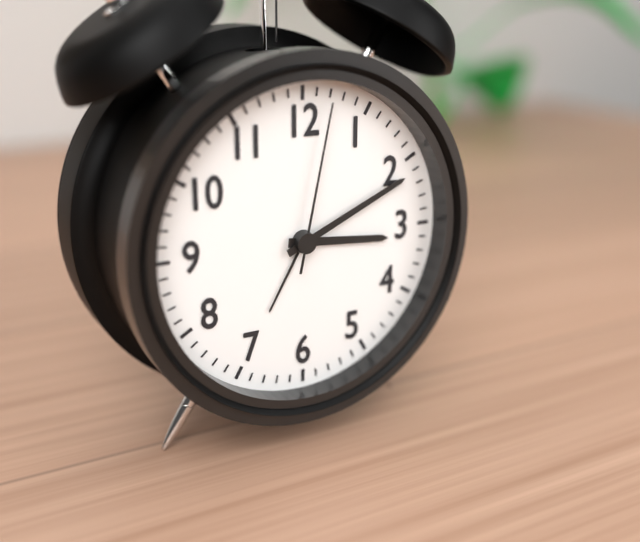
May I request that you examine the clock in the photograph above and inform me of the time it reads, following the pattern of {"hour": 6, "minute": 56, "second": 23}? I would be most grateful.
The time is {"hour": 3, "minute": 11, "second": 2}
